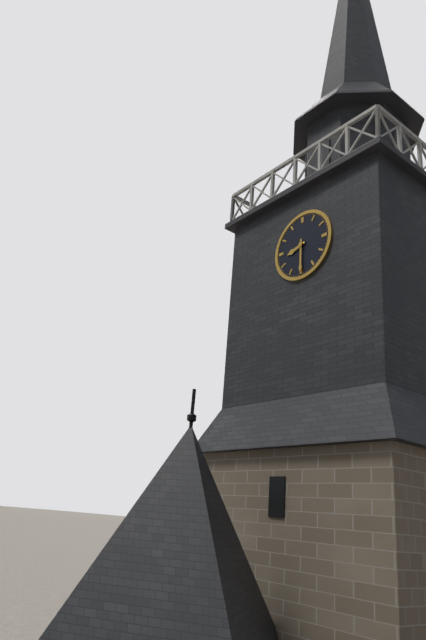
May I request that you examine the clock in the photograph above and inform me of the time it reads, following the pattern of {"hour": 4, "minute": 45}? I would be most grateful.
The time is {"hour": 8, "minute": 30}
